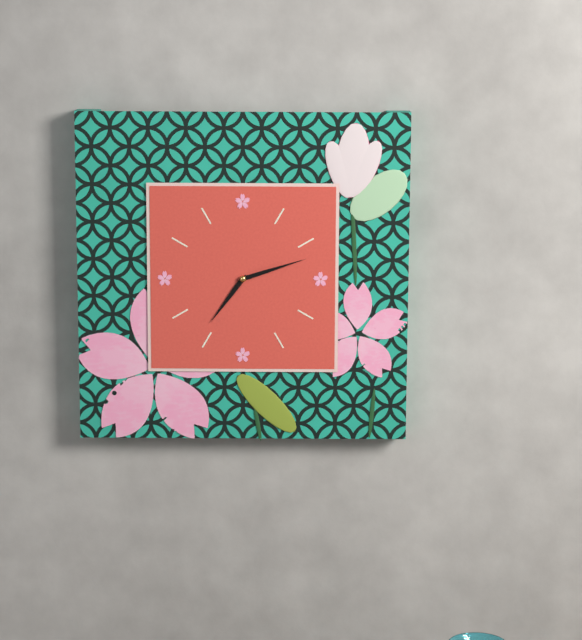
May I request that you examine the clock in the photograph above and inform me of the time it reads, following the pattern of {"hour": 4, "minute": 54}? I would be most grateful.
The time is {"hour": 7, "minute": 12}
